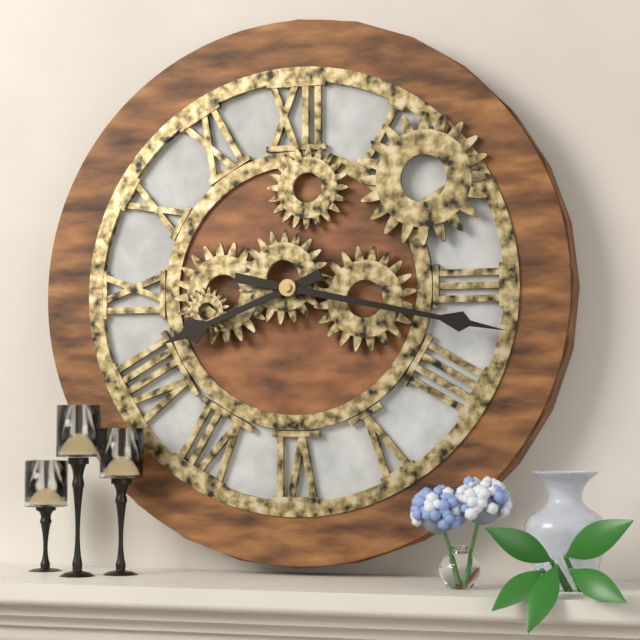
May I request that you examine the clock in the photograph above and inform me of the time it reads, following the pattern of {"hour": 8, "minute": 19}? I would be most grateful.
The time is {"hour": 8, "minute": 17}
